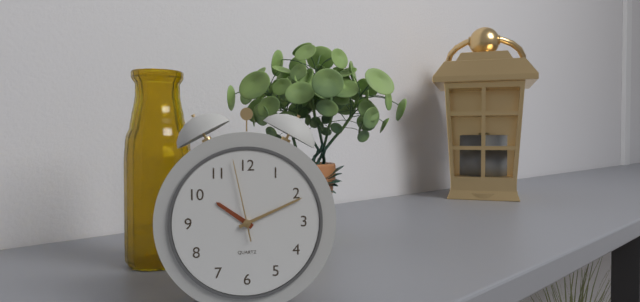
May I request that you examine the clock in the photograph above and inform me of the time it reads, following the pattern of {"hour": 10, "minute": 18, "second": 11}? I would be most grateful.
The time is {"hour": 10, "minute": 11, "second": 58}
